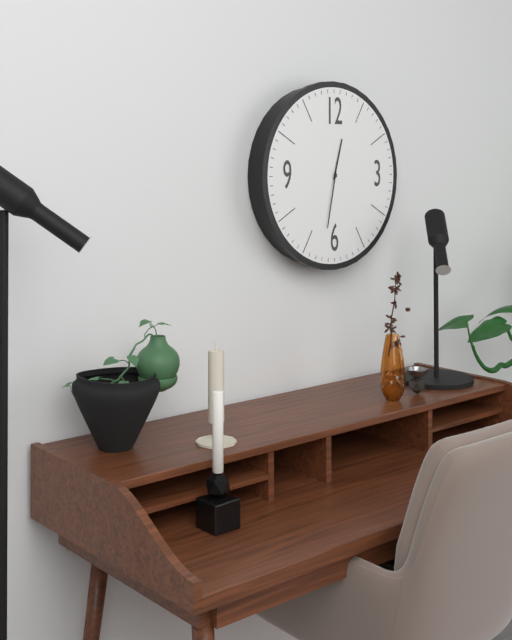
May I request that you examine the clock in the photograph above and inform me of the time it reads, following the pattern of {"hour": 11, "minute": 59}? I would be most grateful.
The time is {"hour": 12, "minute": 32}
